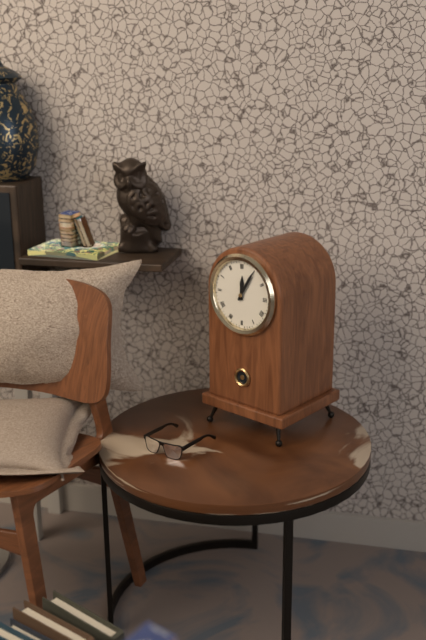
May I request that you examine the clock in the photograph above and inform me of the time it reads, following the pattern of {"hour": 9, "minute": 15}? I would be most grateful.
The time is {"hour": 12, "minute": 5}
